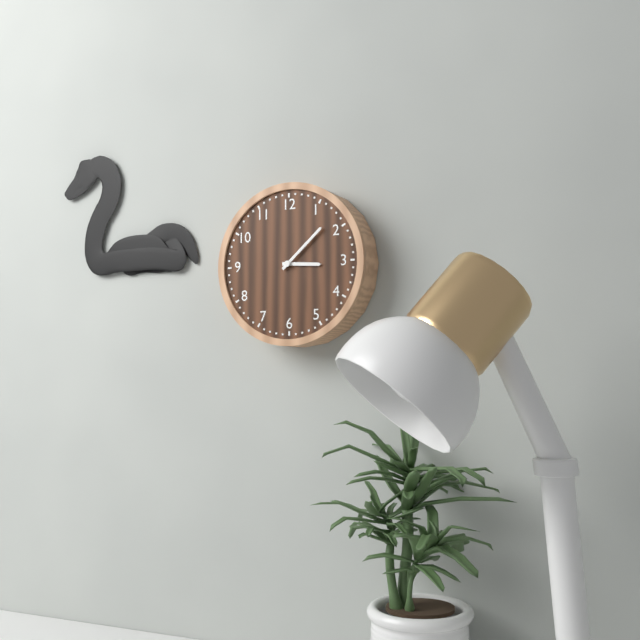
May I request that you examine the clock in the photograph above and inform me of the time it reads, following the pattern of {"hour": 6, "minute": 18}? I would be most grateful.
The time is {"hour": 3, "minute": 8}
